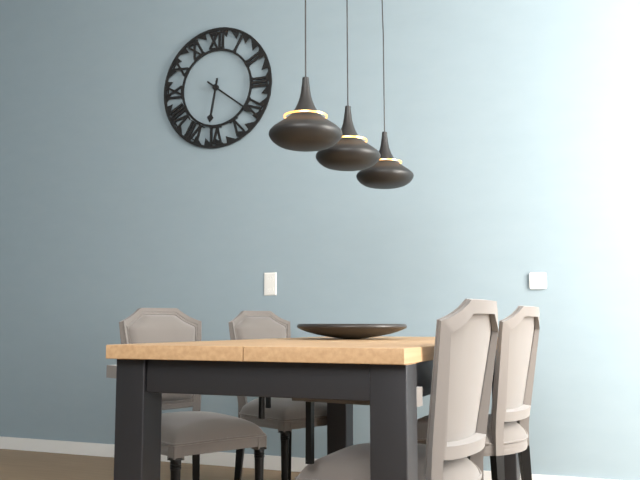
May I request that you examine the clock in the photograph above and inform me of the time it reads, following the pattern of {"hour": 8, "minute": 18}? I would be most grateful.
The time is {"hour": 6, "minute": 21}
